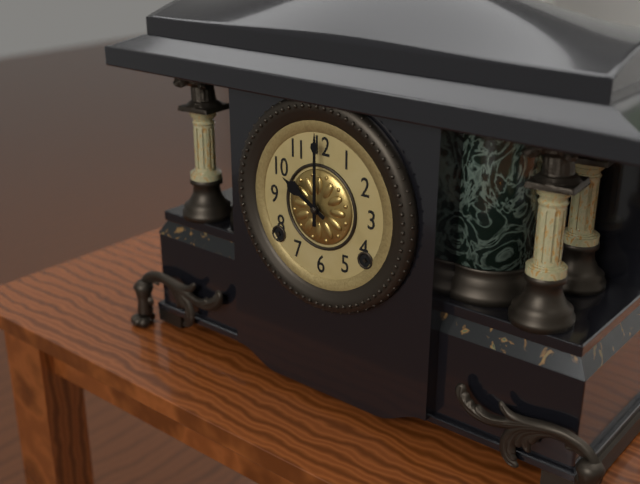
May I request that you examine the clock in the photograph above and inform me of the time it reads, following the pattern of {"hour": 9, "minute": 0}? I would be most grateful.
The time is {"hour": 10, "minute": 0}
